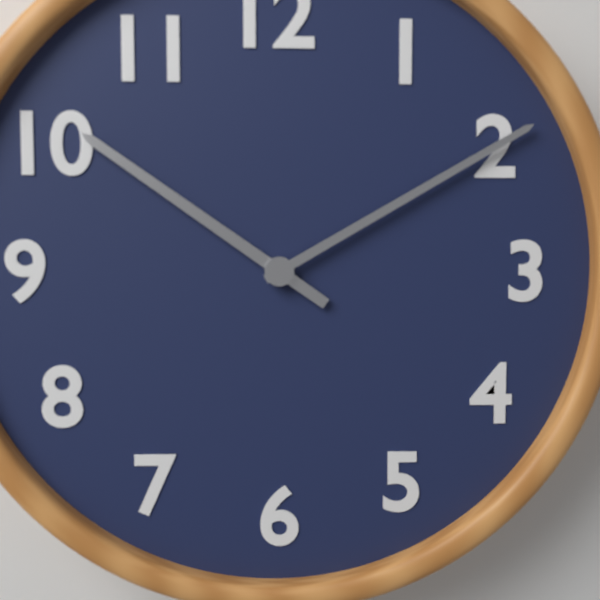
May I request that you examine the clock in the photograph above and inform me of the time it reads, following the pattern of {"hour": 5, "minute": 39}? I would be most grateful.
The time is {"hour": 10, "minute": 10}
